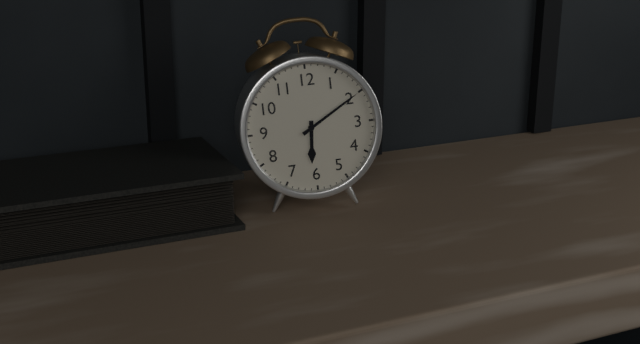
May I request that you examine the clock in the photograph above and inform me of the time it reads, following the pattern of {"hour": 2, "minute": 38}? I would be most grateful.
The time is {"hour": 6, "minute": 10}
